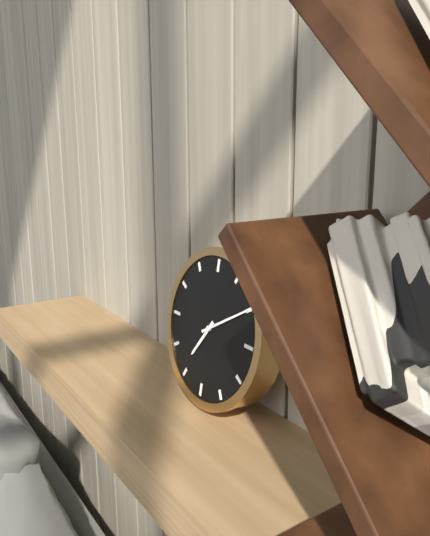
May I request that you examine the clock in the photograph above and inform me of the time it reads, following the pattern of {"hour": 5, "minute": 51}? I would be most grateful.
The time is {"hour": 7, "minute": 10}
